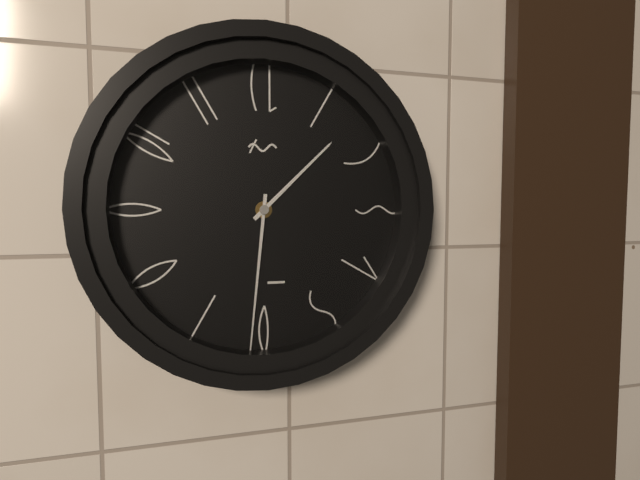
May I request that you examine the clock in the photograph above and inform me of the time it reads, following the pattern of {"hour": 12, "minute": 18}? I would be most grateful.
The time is {"hour": 1, "minute": 31}
